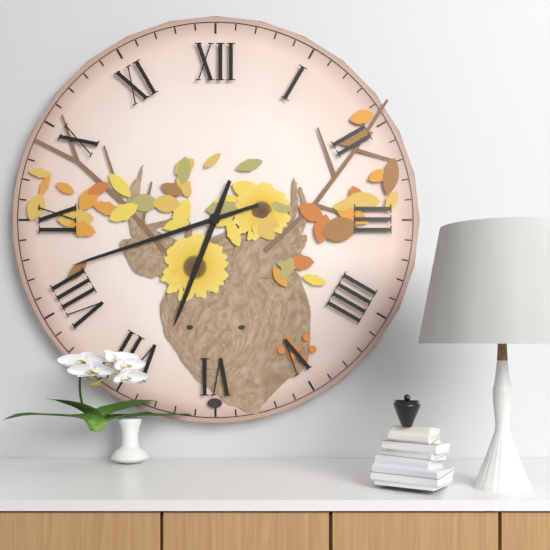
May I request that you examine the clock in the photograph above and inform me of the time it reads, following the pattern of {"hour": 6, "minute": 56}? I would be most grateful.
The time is {"hour": 6, "minute": 42}
